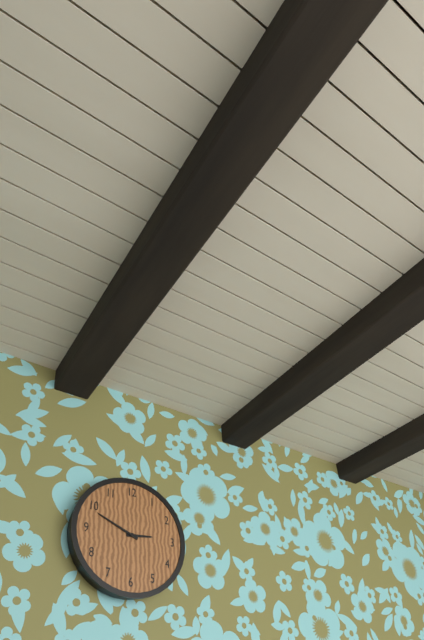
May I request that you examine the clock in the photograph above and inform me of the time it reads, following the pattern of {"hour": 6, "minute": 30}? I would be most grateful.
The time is {"hour": 2, "minute": 49}
